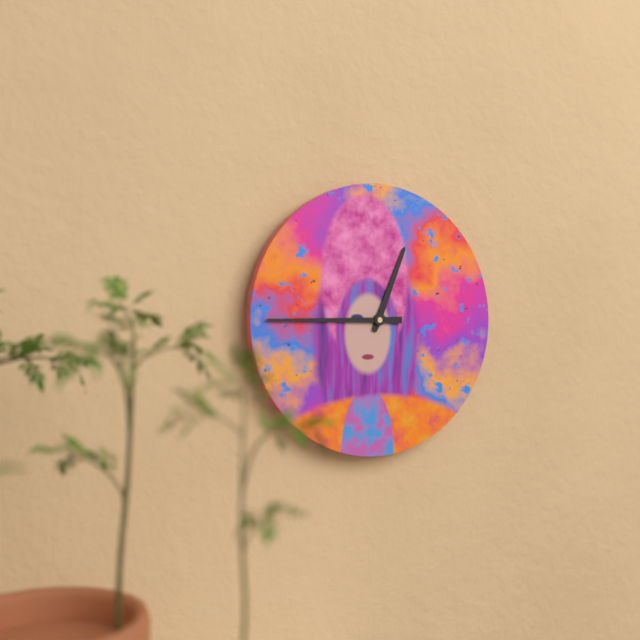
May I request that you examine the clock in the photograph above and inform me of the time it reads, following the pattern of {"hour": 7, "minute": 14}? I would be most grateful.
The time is {"hour": 12, "minute": 45}
